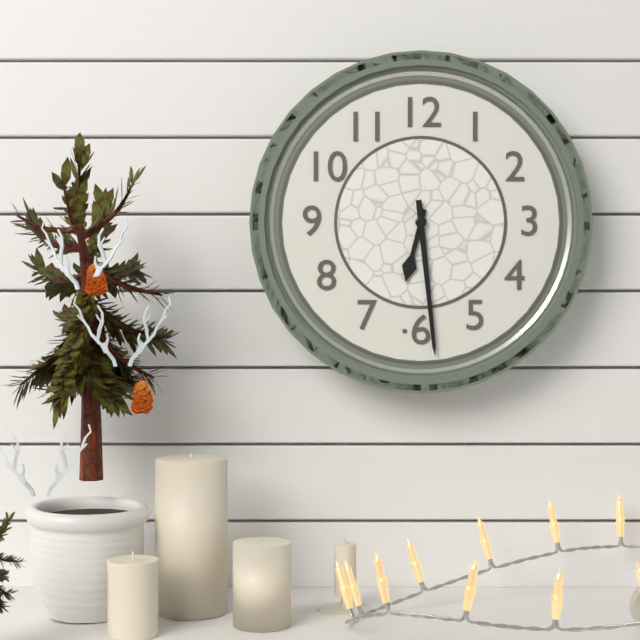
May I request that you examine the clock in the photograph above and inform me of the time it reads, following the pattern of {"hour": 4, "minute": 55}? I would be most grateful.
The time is {"hour": 6, "minute": 29}
